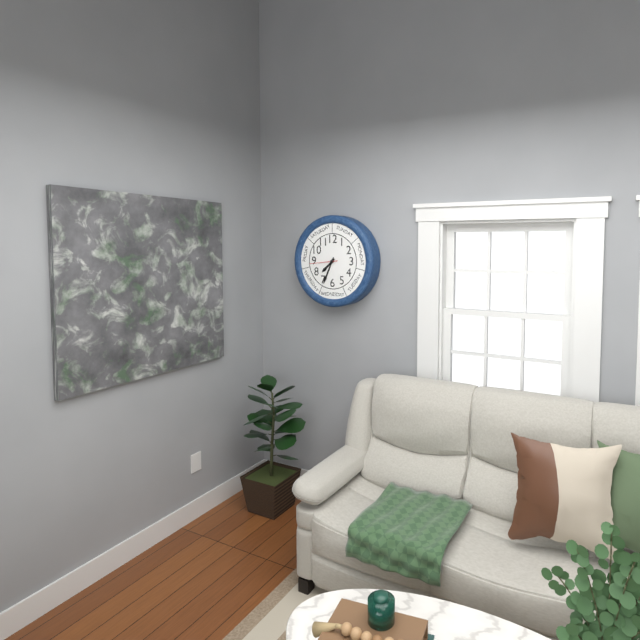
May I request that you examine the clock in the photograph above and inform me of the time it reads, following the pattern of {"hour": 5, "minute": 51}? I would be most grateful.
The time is {"hour": 7, "minute": 34}
